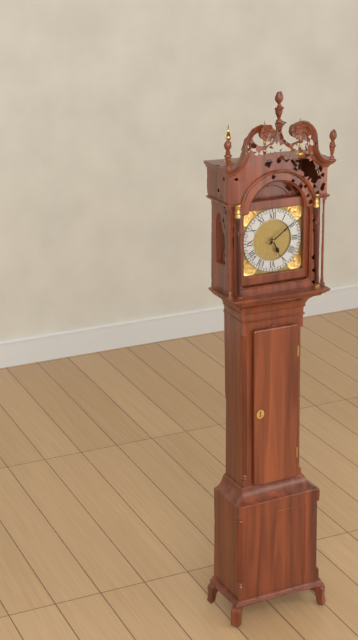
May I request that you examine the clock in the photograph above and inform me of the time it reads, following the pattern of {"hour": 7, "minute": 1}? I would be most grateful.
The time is {"hour": 5, "minute": 9}
